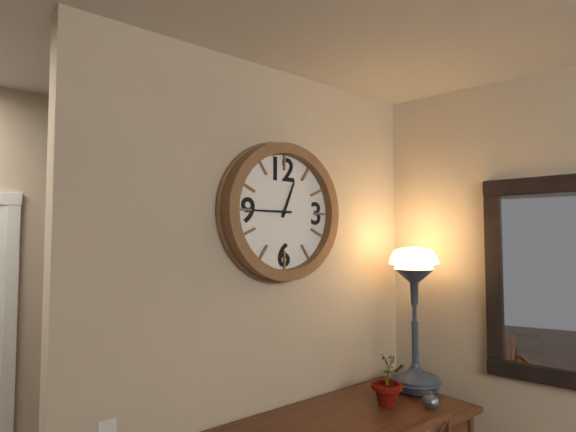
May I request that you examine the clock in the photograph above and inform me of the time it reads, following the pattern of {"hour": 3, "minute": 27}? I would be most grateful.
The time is {"hour": 12, "minute": 45}
